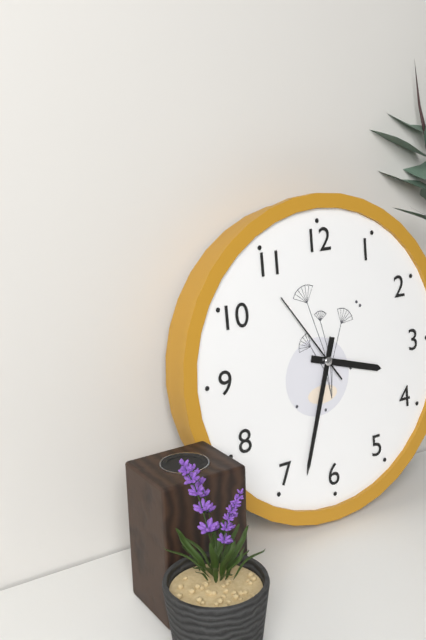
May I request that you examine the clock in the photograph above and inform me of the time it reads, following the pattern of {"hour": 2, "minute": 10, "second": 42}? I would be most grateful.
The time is {"hour": 3, "minute": 33, "second": 54}
